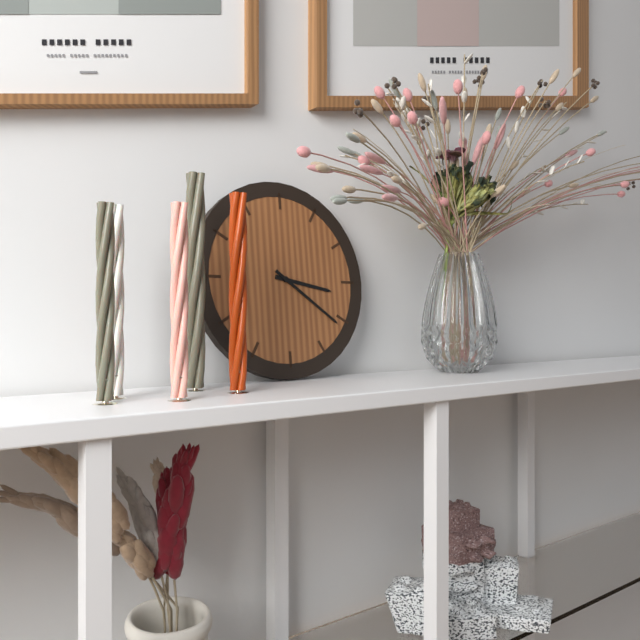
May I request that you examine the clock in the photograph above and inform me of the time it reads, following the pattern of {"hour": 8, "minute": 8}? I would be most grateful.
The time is {"hour": 3, "minute": 21}
